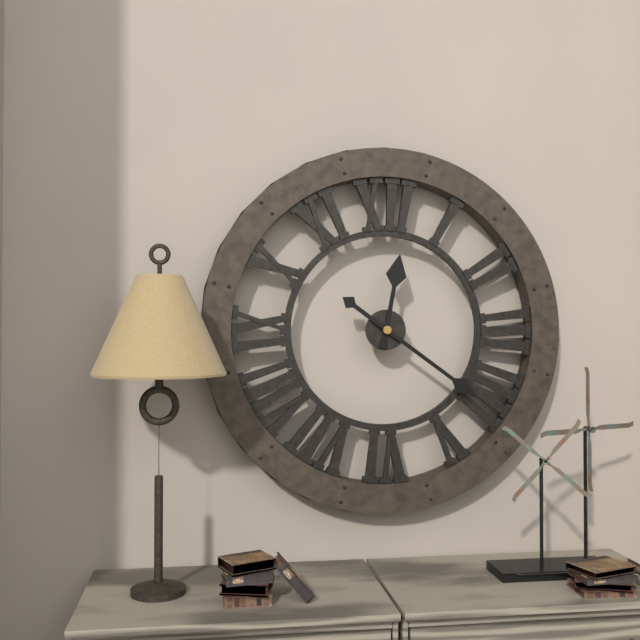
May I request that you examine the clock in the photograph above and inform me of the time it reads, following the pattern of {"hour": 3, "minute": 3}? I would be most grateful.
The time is {"hour": 12, "minute": 21}
